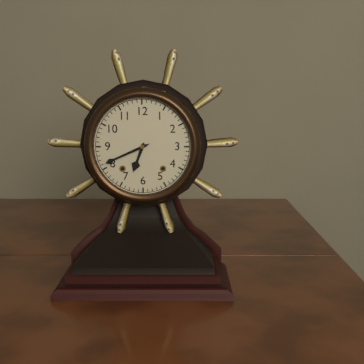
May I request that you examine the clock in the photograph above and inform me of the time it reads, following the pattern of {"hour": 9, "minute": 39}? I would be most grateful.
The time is {"hour": 6, "minute": 41}
